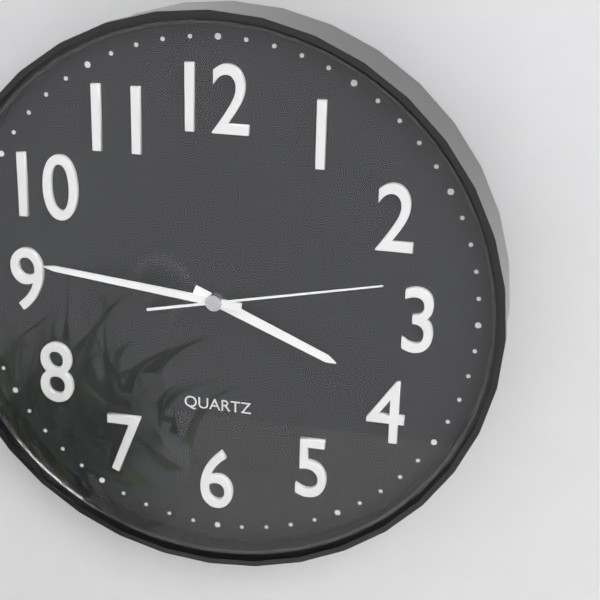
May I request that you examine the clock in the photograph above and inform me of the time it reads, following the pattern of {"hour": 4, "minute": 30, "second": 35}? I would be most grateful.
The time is {"hour": 3, "minute": 46, "second": 13}
